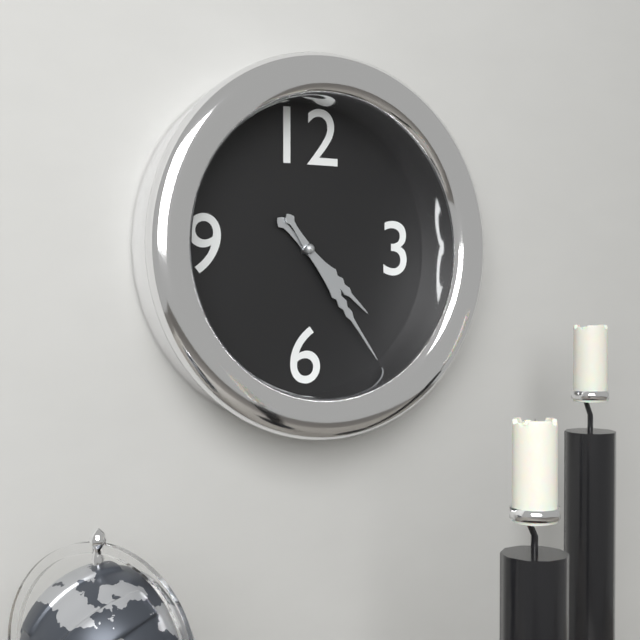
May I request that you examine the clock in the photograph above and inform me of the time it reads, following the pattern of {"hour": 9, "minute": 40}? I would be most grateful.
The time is {"hour": 4, "minute": 24}
